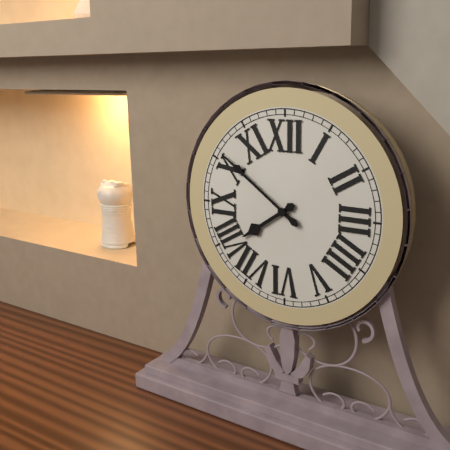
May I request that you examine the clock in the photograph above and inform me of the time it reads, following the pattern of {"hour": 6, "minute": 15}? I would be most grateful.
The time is {"hour": 7, "minute": 51}
